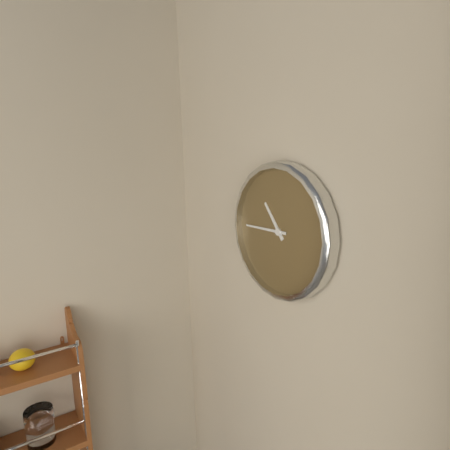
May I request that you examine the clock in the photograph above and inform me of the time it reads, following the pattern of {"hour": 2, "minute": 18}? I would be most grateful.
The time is {"hour": 10, "minute": 45}
